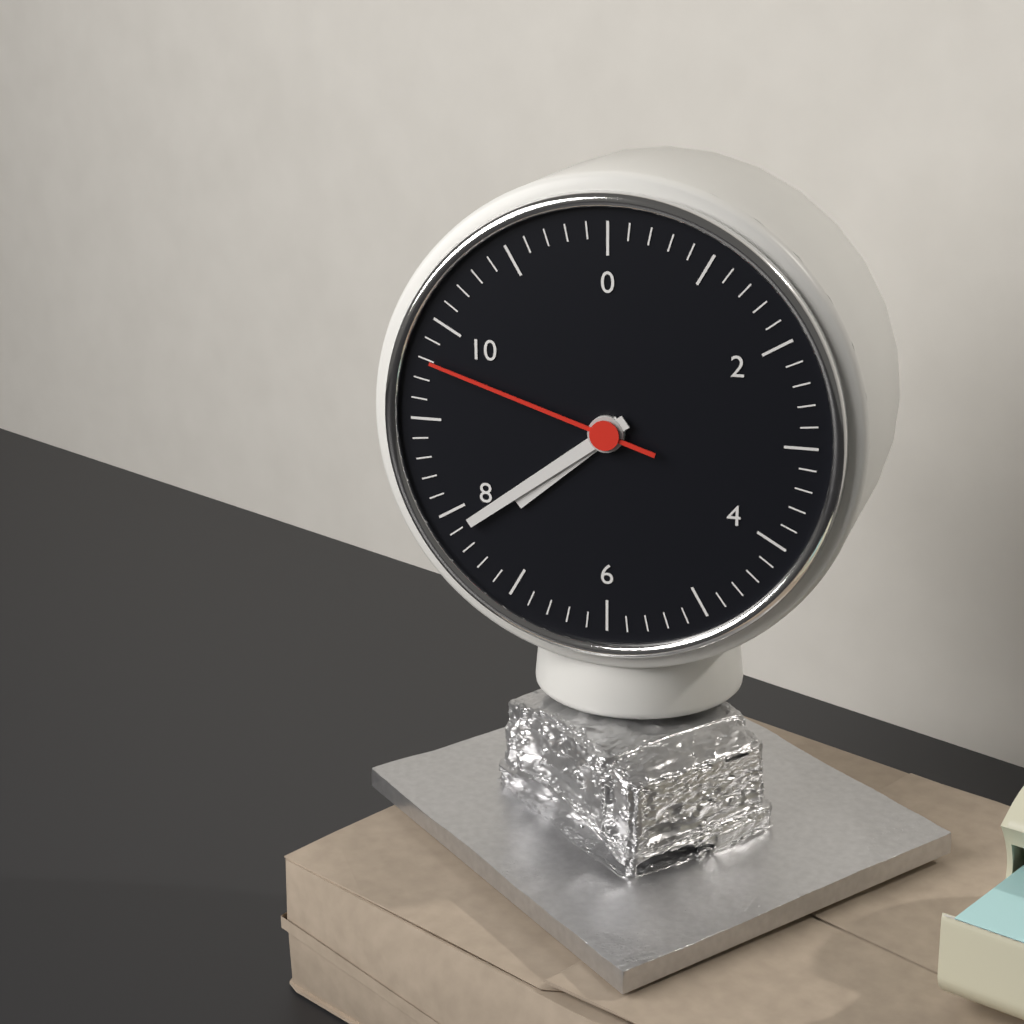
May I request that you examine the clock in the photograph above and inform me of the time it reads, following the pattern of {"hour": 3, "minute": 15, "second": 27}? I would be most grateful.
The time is {"hour": 7, "minute": 39, "second": 48}
